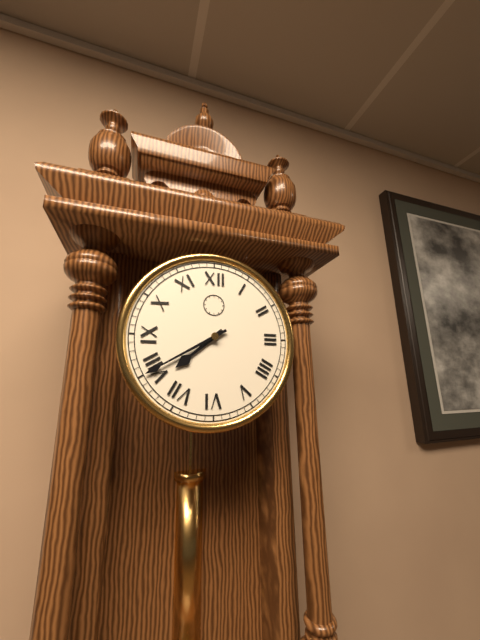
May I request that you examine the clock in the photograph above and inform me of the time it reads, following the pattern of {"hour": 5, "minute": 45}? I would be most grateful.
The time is {"hour": 7, "minute": 40}
